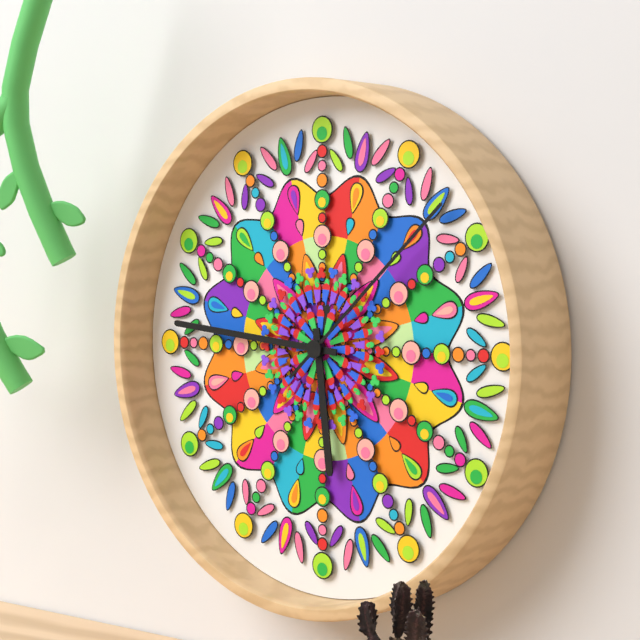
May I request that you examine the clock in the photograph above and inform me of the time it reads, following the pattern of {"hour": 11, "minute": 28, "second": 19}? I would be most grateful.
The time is {"hour": 5, "minute": 46, "second": 8}
